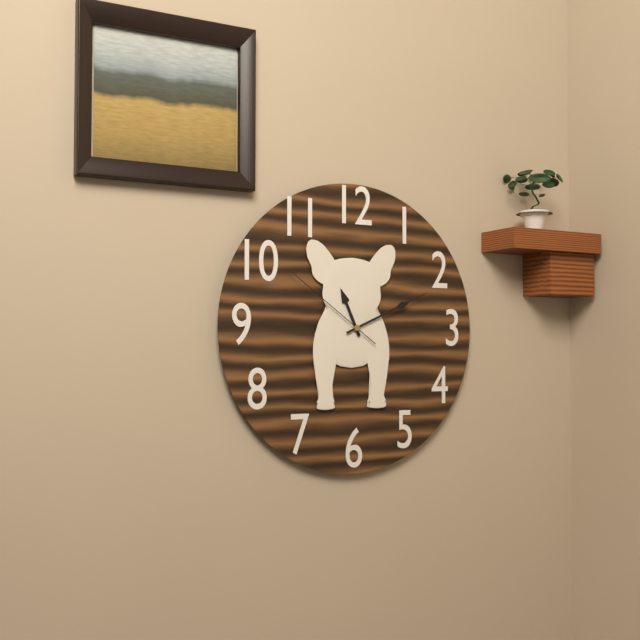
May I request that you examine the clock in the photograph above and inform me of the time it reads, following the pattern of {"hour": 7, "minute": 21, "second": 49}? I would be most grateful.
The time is {"hour": 11, "minute": 11, "second": 51}
